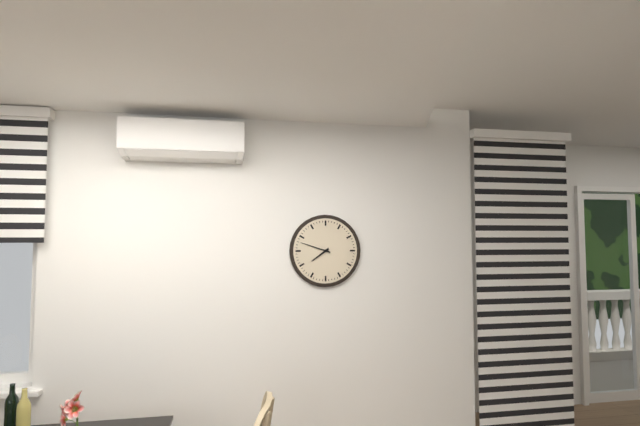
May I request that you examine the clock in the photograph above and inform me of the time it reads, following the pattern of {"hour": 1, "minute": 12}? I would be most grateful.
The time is {"hour": 7, "minute": 48}
